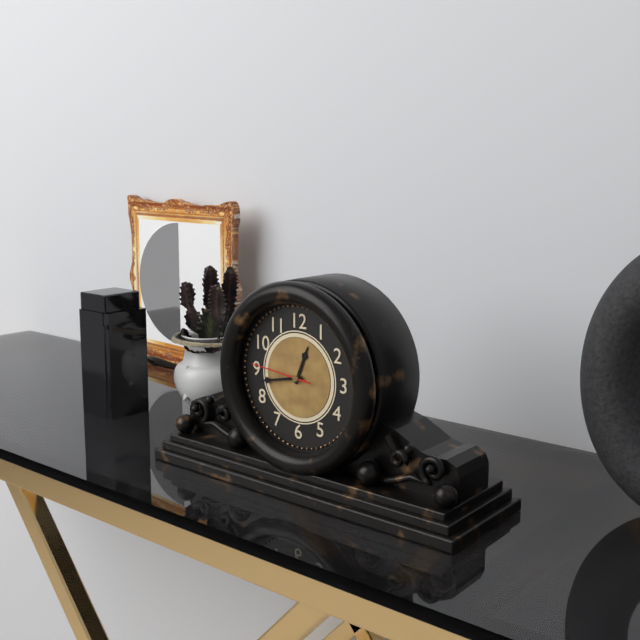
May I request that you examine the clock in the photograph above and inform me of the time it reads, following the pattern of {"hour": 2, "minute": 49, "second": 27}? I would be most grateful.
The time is {"hour": 12, "minute": 43, "second": 46}
